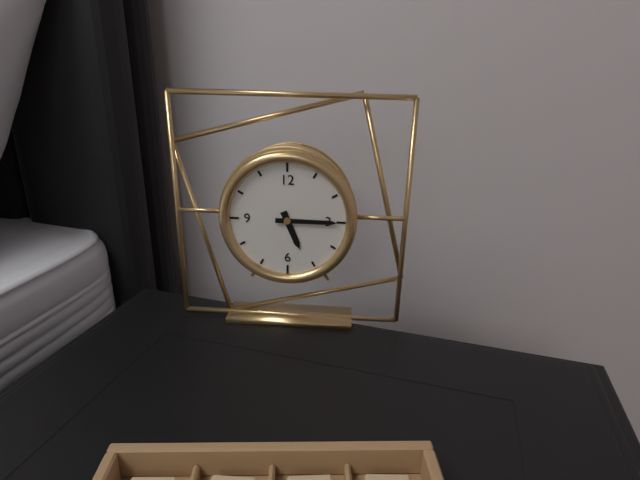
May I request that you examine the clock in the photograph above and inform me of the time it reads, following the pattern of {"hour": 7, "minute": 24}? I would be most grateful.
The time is {"hour": 5, "minute": 15}
